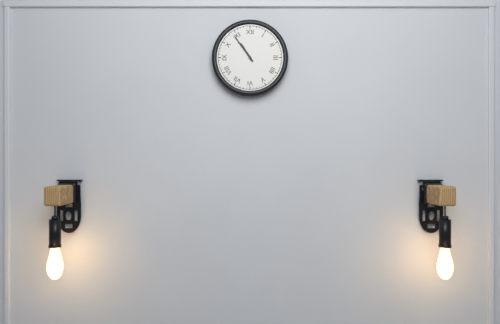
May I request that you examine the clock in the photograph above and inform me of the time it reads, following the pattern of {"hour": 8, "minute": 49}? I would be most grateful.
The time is {"hour": 10, "minute": 54}
